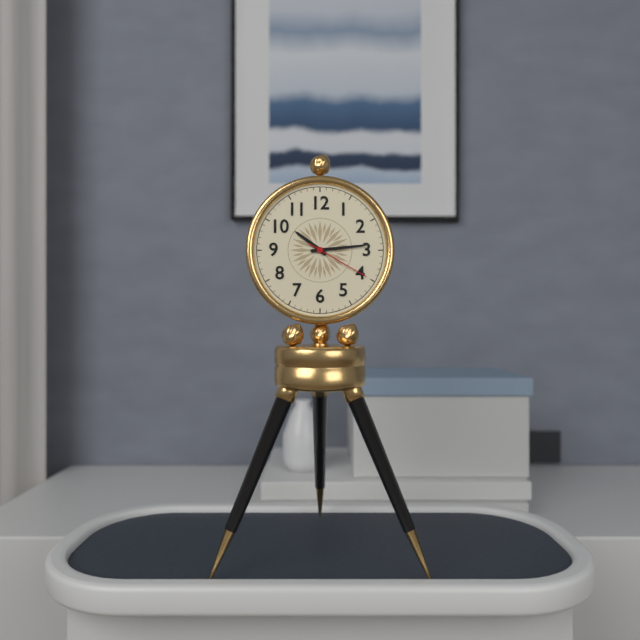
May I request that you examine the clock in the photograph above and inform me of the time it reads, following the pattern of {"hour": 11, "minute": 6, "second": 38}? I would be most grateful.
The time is {"hour": 10, "minute": 14, "second": 20}
